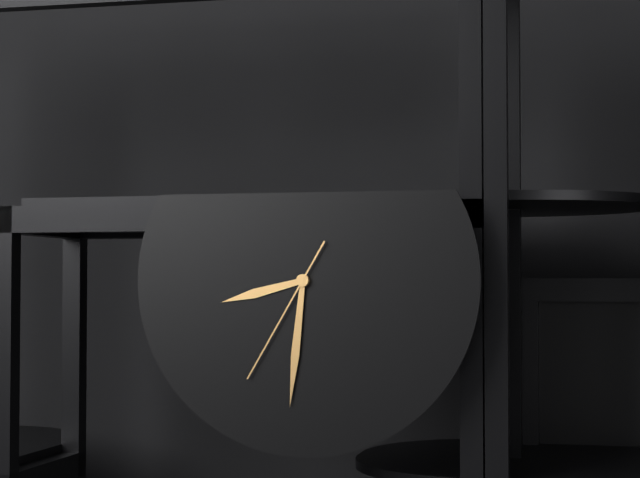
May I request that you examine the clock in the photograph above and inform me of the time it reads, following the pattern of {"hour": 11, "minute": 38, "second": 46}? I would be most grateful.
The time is {"hour": 8, "minute": 31, "second": 35}
